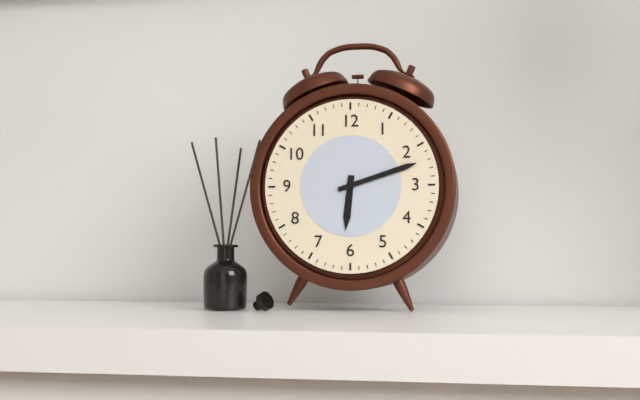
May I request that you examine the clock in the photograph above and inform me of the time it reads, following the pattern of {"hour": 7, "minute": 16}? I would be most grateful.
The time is {"hour": 6, "minute": 12}
